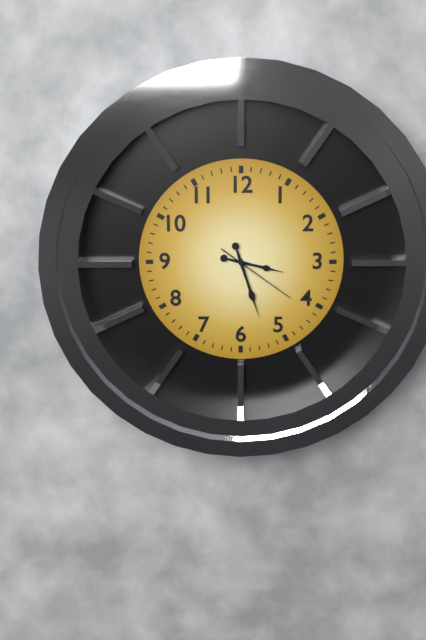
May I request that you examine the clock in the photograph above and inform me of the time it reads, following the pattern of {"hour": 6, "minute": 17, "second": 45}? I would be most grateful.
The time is {"hour": 3, "minute": 27, "second": 21}
